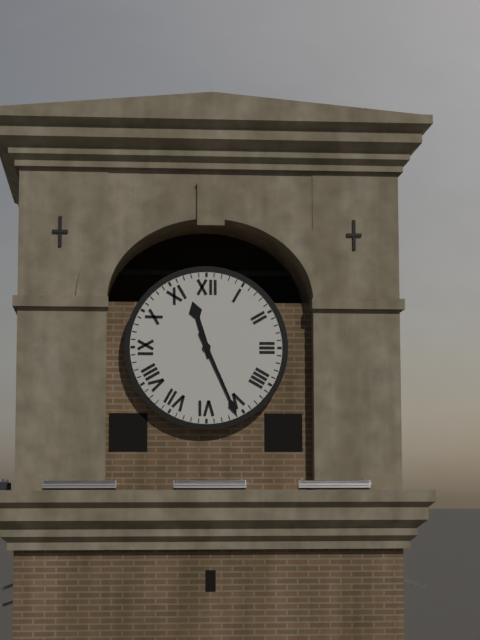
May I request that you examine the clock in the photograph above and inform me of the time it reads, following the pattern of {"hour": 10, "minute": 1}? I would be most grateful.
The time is {"hour": 11, "minute": 26}
